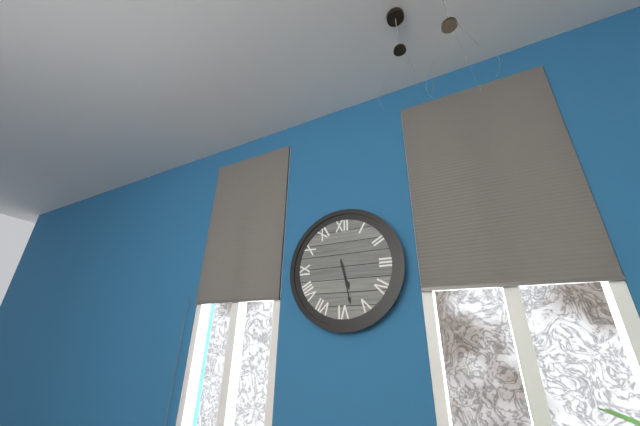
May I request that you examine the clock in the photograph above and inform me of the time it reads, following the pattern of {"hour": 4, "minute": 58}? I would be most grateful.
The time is {"hour": 5, "minute": 28}
